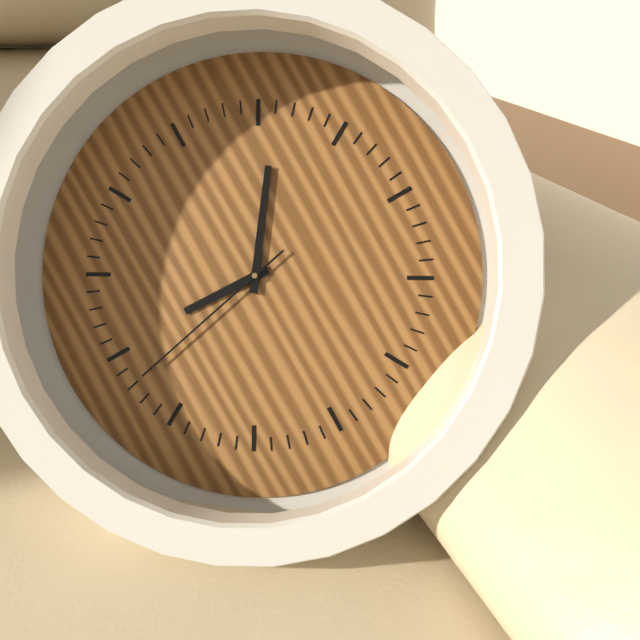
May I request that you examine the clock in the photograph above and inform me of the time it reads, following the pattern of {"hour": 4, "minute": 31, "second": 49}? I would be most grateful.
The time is {"hour": 9, "minute": 6, "second": 43}
